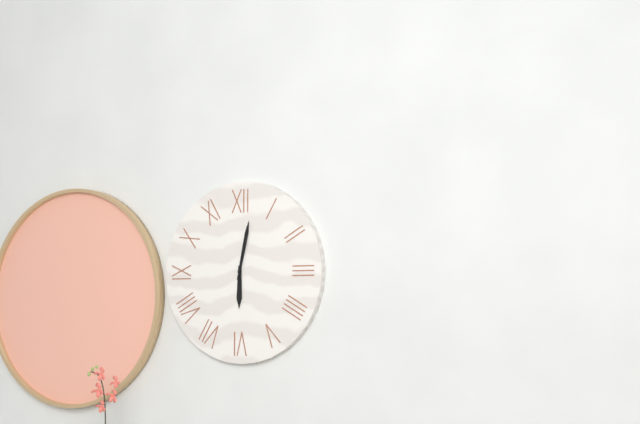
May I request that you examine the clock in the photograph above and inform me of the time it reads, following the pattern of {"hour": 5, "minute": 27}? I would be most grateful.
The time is {"hour": 6, "minute": 2}
